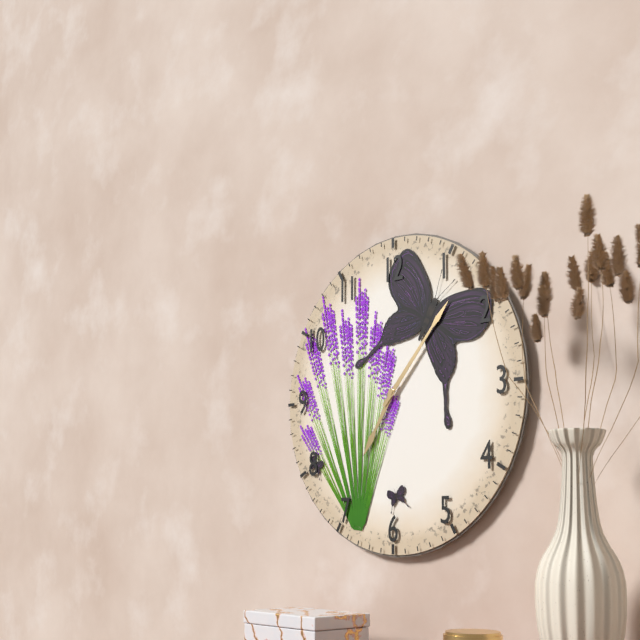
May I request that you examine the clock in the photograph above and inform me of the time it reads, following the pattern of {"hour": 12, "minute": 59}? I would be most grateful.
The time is {"hour": 7, "minute": 7}
